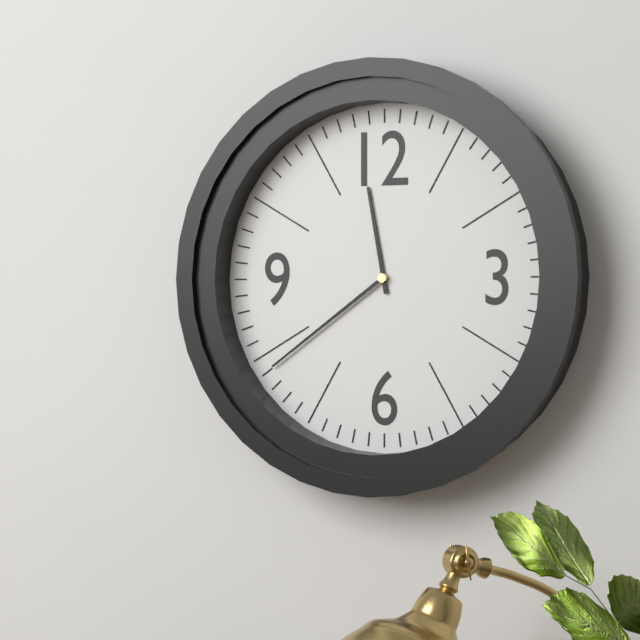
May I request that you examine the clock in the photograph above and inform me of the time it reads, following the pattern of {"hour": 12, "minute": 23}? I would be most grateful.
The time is {"hour": 11, "minute": 39}
